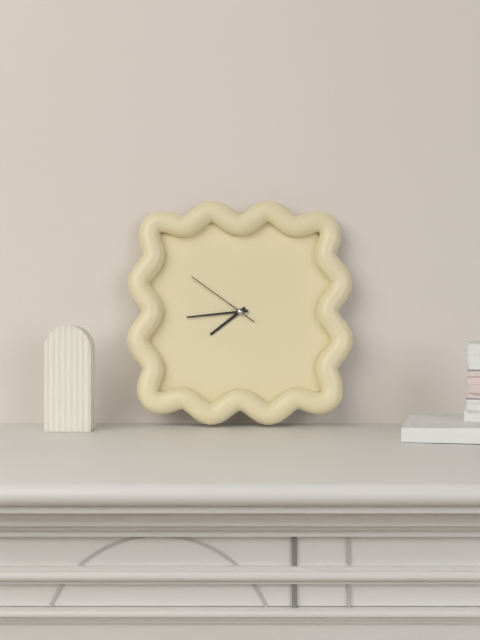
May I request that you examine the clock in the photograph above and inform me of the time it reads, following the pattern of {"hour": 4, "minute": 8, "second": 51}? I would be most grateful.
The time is {"hour": 7, "minute": 44, "second": 51}
